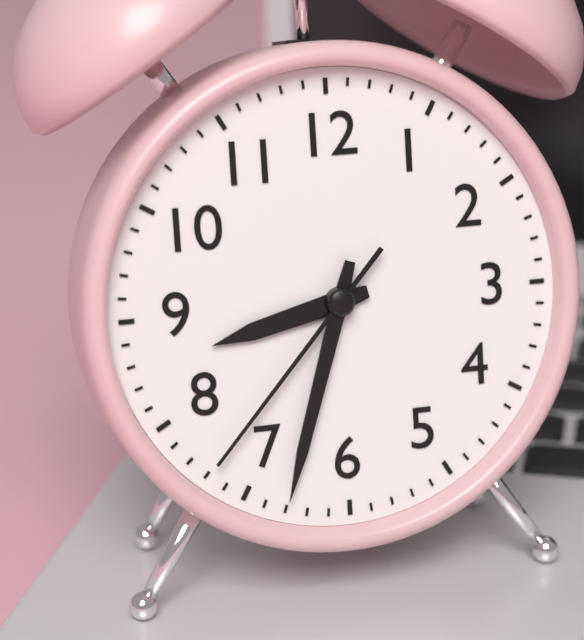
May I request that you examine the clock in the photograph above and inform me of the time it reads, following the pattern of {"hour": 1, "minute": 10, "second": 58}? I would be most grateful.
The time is {"hour": 8, "minute": 33, "second": 37}
